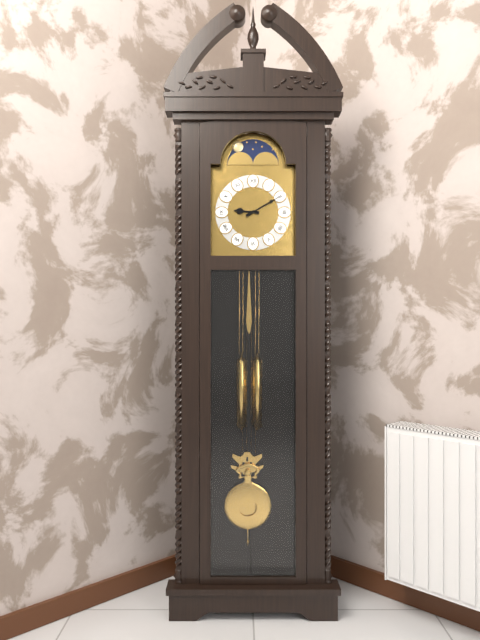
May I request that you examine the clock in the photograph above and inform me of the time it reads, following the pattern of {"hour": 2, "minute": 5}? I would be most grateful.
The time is {"hour": 9, "minute": 10}
